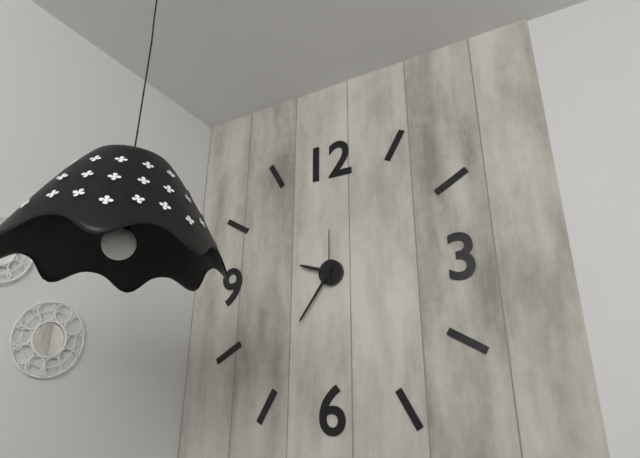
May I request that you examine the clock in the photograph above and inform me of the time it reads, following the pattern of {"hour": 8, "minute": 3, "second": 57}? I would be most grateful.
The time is {"hour": 9, "minute": 36, "second": 0}
